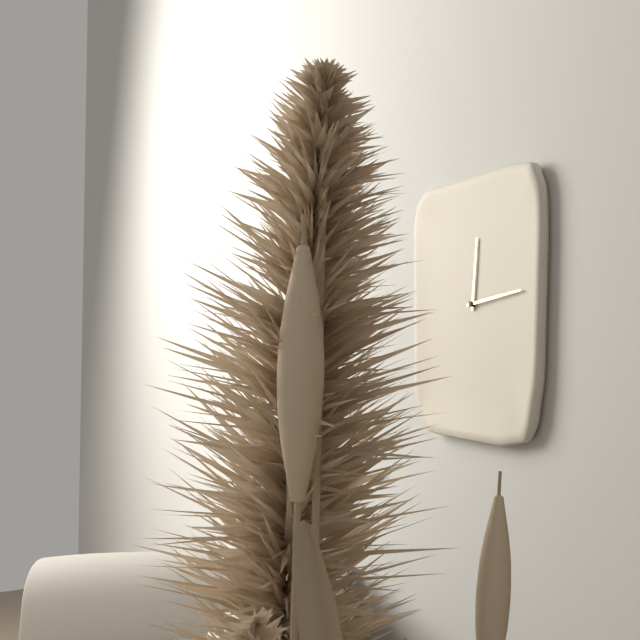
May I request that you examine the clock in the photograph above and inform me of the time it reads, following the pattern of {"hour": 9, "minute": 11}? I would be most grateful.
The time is {"hour": 12, "minute": 14}
